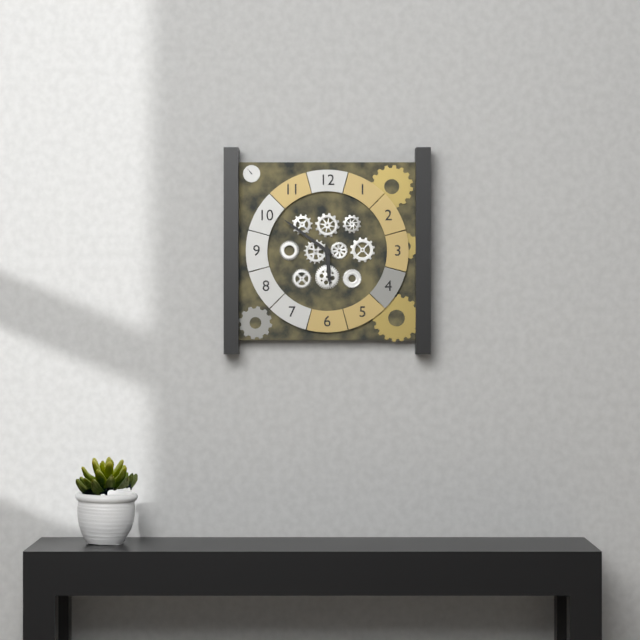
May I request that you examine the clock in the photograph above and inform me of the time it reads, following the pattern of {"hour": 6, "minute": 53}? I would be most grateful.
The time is {"hour": 5, "minute": 51}
